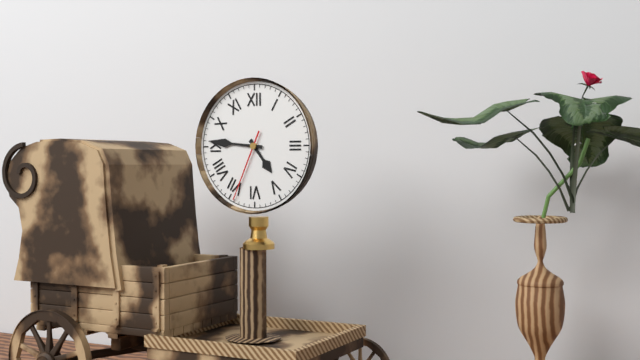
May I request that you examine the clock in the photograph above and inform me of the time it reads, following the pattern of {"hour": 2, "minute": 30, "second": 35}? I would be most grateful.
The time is {"hour": 4, "minute": 46, "second": 34}
